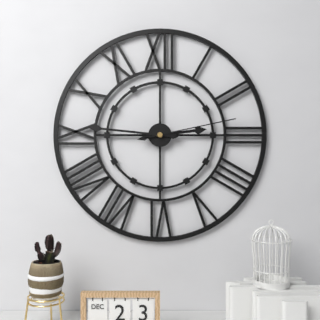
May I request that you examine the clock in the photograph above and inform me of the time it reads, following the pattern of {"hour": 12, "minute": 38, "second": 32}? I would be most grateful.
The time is {"hour": 2, "minute": 46, "second": 13}
